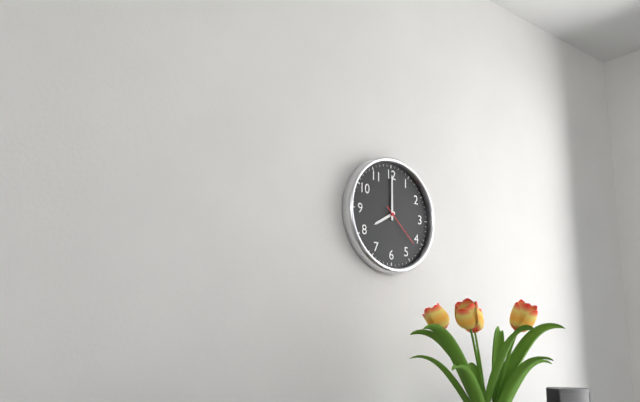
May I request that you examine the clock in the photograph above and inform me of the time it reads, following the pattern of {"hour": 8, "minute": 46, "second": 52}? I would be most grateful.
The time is {"hour": 8, "minute": 0, "second": 22}
